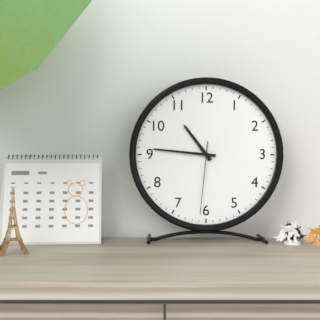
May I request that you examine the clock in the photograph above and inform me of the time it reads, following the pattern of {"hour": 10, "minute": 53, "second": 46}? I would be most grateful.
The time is {"hour": 10, "minute": 46, "second": 31}
